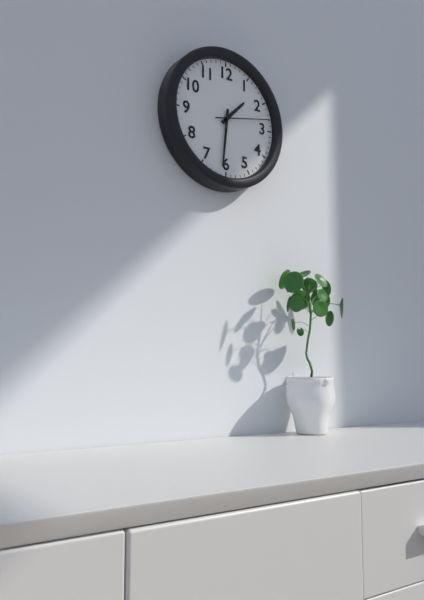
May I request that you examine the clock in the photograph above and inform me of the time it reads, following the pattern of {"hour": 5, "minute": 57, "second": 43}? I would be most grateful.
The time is {"hour": 1, "minute": 31, "second": 13}
